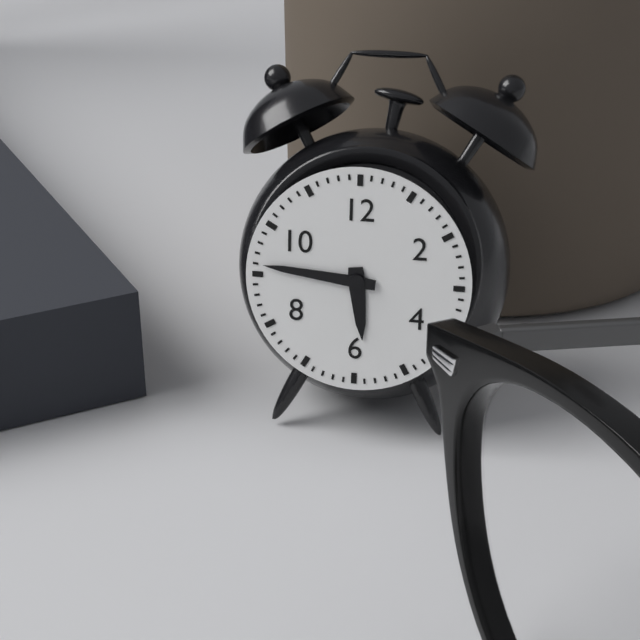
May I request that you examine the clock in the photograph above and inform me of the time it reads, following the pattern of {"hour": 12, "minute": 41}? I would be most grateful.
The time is {"hour": 5, "minute": 46}
